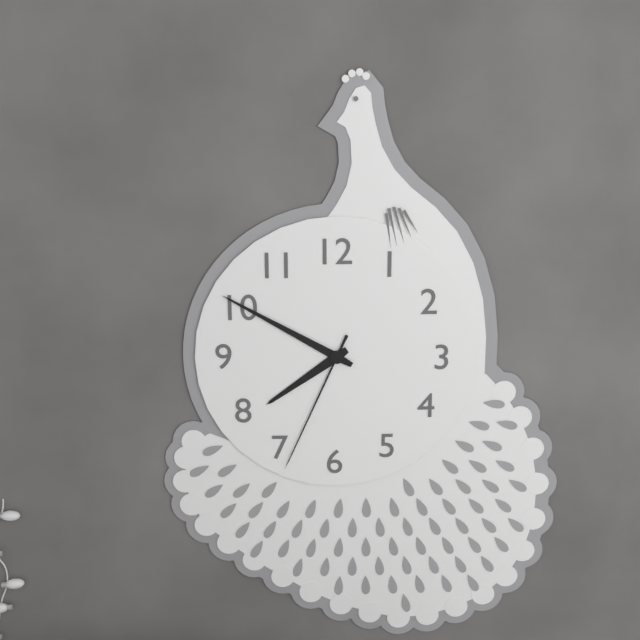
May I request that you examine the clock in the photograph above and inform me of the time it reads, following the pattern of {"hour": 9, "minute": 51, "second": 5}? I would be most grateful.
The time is {"hour": 7, "minute": 50, "second": 34}
